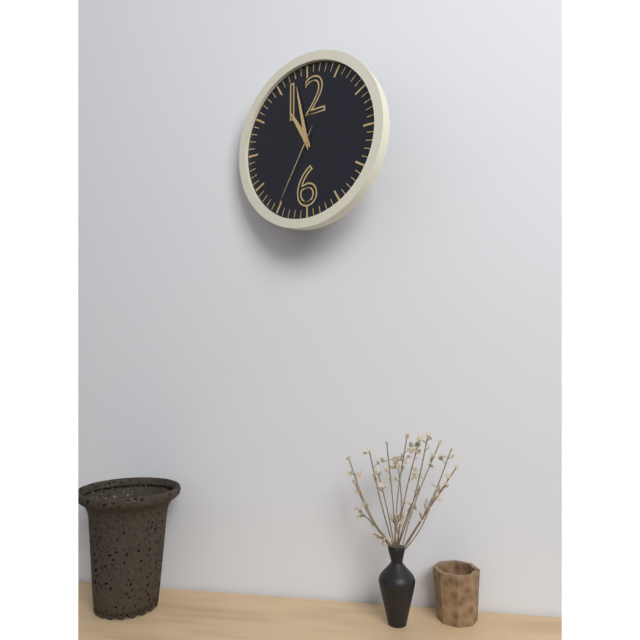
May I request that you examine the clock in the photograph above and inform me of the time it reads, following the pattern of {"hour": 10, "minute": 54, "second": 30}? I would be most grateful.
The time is {"hour": 10, "minute": 58, "second": 35}
